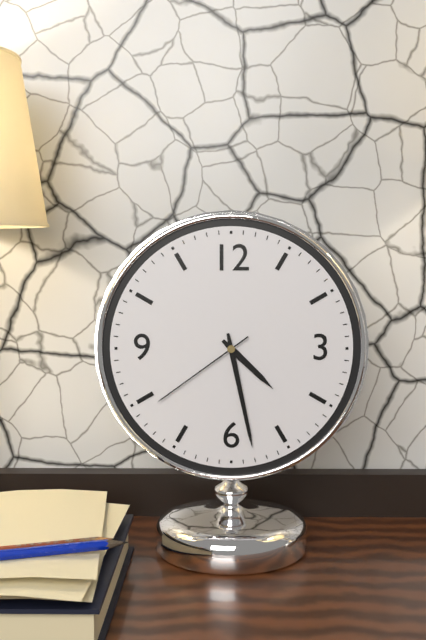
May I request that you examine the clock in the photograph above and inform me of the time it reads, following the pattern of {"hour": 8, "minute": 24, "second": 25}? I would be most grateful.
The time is {"hour": 4, "minute": 28, "second": 39}
